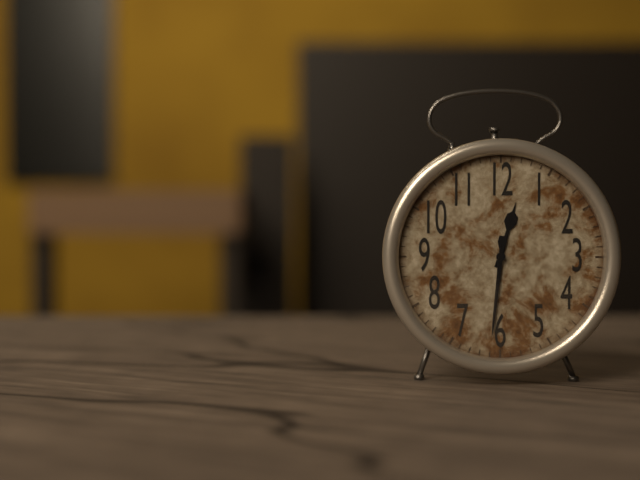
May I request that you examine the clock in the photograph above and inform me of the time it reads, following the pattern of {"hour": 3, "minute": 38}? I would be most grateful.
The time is {"hour": 12, "minute": 31}
